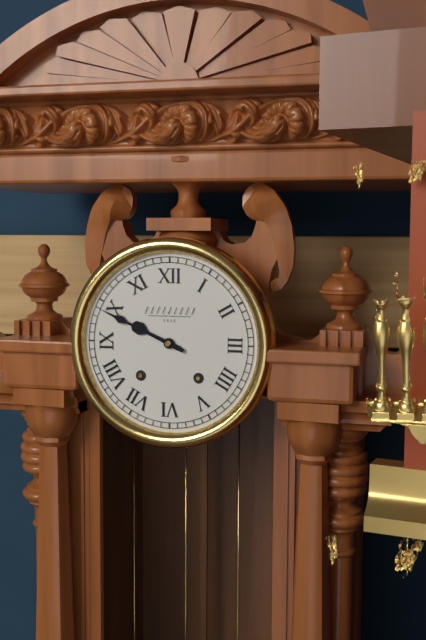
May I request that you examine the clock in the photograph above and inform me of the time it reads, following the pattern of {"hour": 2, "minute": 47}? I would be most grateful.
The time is {"hour": 9, "minute": 49}
